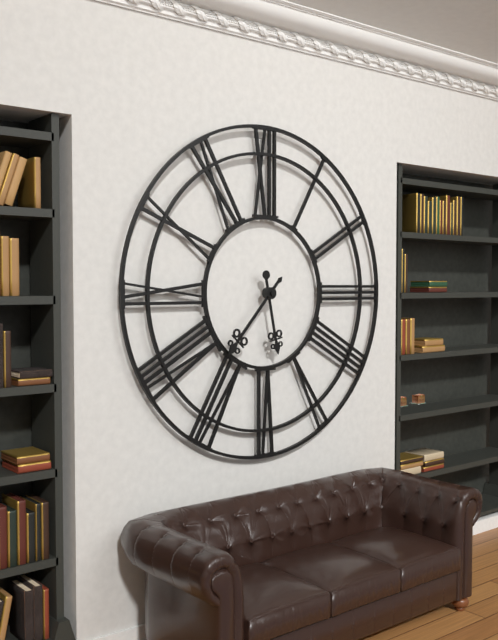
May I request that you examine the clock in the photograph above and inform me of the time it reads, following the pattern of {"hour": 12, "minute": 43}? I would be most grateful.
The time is {"hour": 5, "minute": 37}
